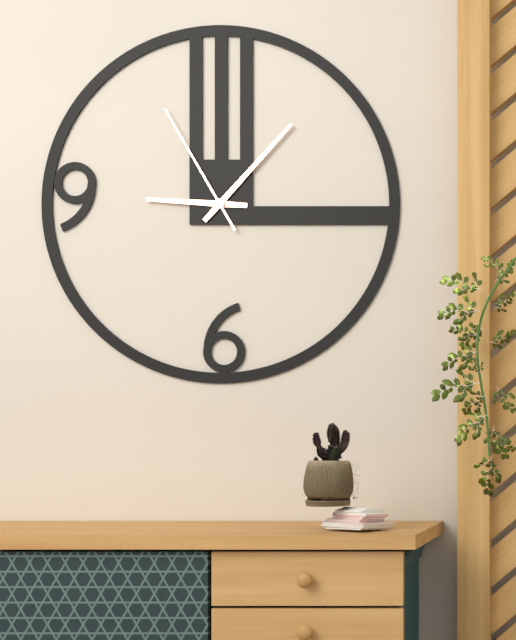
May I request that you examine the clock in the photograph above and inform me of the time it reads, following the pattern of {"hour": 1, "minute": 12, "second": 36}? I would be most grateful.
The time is {"hour": 9, "minute": 7, "second": 55}
